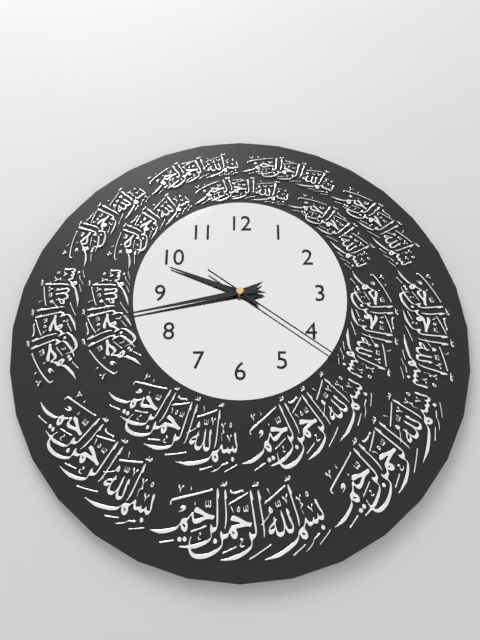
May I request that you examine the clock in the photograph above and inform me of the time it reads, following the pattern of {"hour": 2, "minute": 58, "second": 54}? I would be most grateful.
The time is {"hour": 9, "minute": 43, "second": 21}
